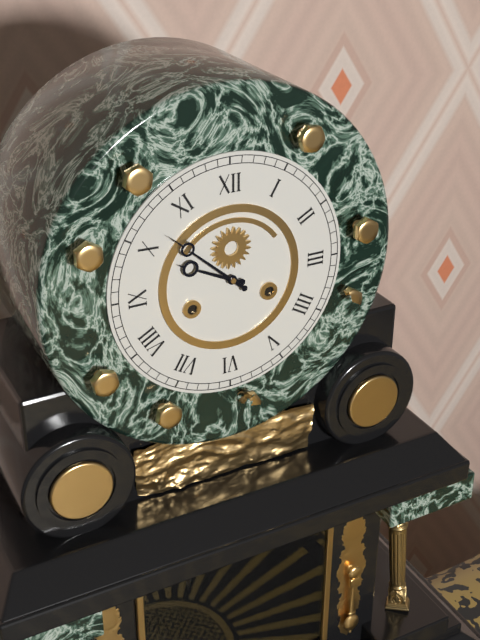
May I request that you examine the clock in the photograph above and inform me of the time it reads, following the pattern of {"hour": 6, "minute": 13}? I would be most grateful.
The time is {"hour": 9, "minute": 52}
